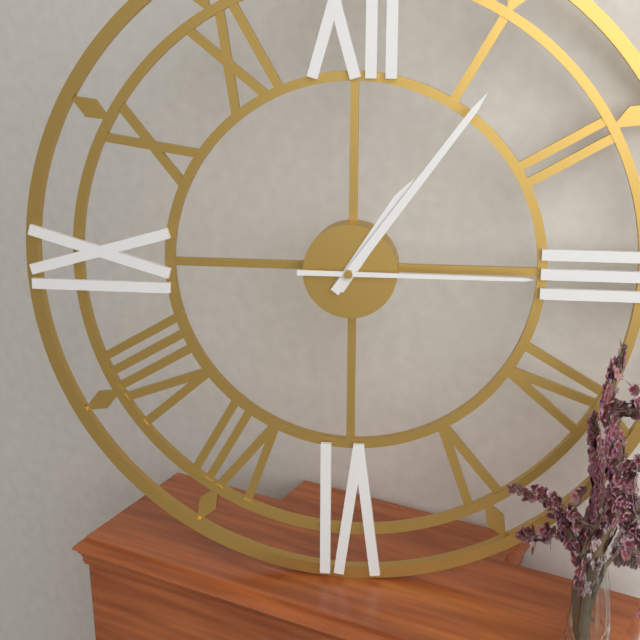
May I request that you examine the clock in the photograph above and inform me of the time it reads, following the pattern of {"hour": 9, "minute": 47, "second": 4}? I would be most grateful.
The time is {"hour": 1, "minute": 6, "second": 15}
